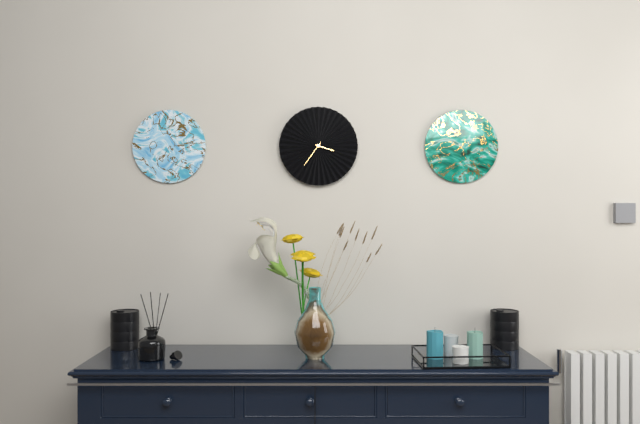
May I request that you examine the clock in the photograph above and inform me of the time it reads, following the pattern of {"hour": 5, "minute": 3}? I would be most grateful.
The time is {"hour": 3, "minute": 36}
